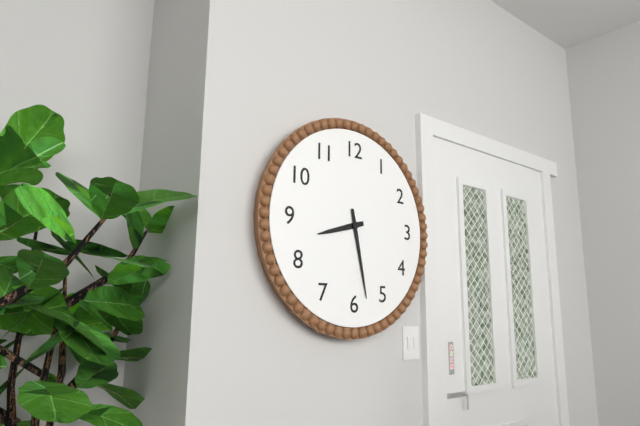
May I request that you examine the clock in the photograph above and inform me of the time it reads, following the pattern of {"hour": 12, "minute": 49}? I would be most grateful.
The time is {"hour": 8, "minute": 28}
